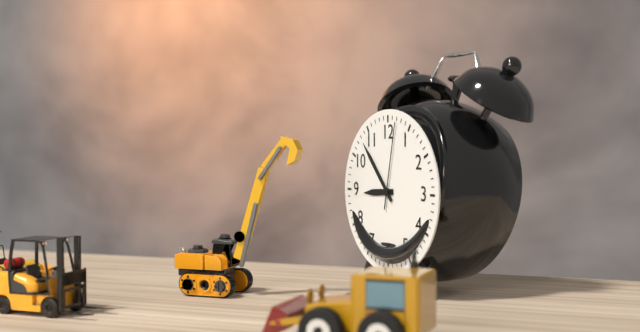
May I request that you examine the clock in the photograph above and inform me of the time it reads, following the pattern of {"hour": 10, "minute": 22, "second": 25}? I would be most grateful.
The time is {"hour": 8, "minute": 53, "second": 2}
